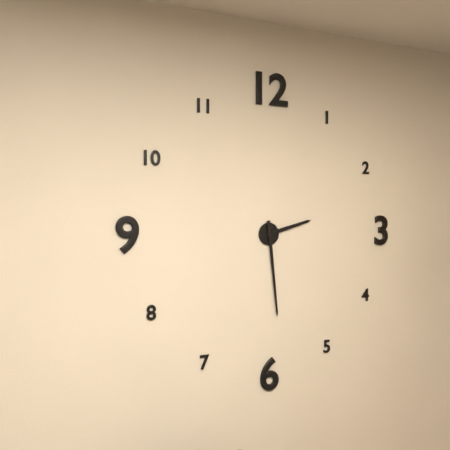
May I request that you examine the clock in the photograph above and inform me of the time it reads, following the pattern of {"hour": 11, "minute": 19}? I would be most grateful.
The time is {"hour": 2, "minute": 29}
